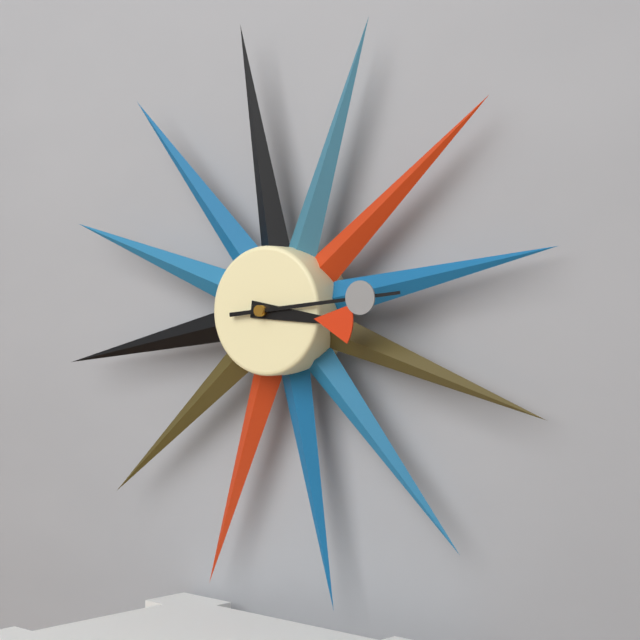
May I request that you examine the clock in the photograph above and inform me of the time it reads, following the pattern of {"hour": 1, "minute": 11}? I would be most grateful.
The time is {"hour": 3, "minute": 14}
